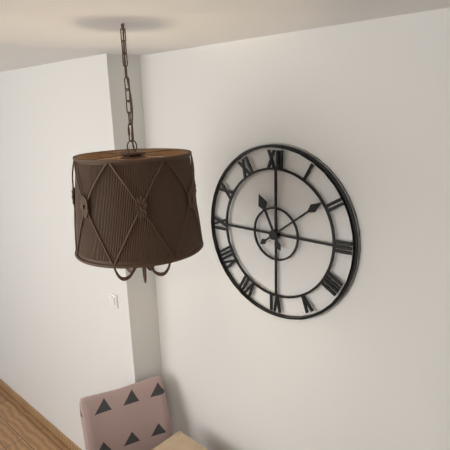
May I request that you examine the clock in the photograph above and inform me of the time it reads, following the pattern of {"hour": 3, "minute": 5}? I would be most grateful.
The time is {"hour": 11, "minute": 9}
